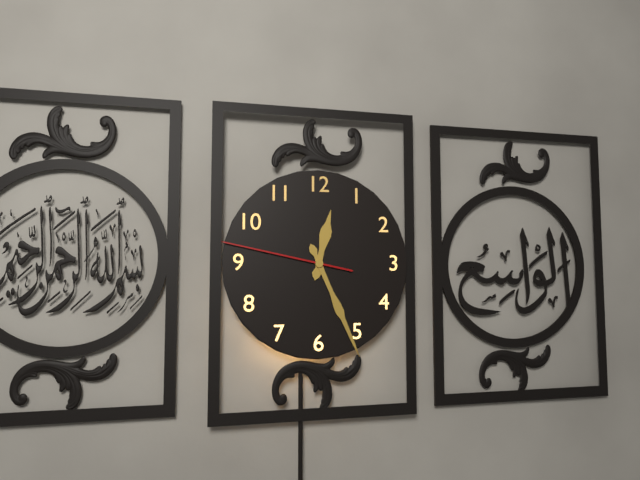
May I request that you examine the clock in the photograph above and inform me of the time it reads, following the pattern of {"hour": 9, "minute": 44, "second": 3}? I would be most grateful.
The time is {"hour": 12, "minute": 26, "second": 47}
